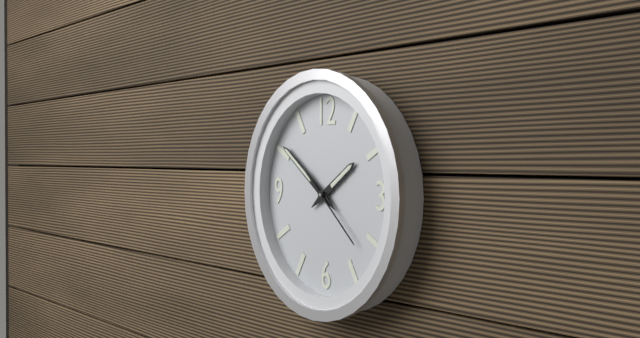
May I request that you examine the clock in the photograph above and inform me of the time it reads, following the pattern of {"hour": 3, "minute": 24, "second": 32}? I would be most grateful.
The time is {"hour": 1, "minute": 51, "second": 22}
